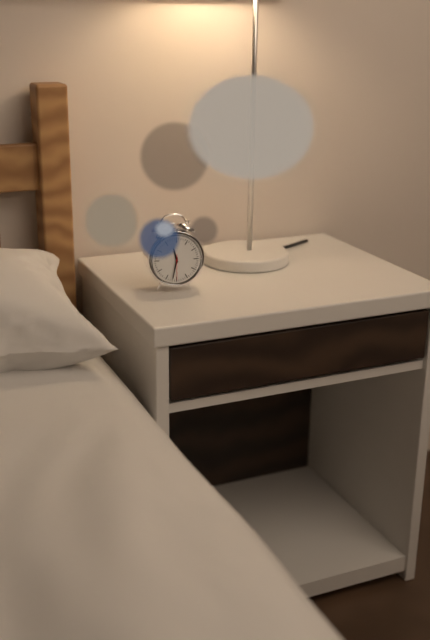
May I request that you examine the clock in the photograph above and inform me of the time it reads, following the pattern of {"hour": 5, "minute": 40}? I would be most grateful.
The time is {"hour": 11, "minute": 32}
